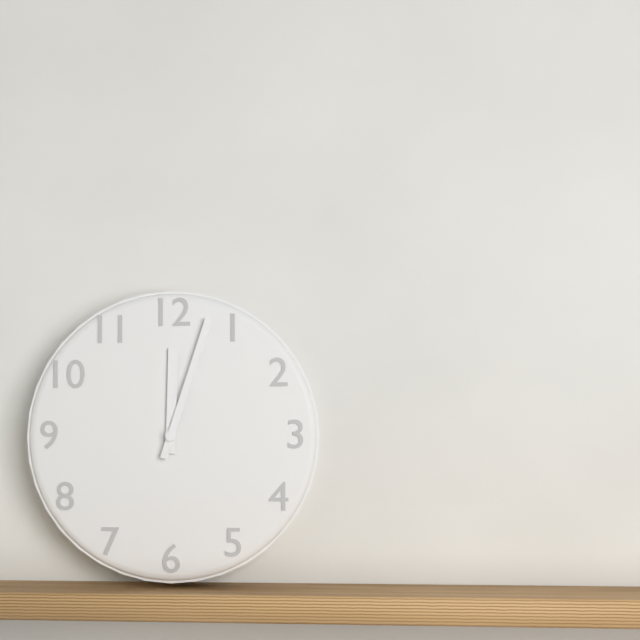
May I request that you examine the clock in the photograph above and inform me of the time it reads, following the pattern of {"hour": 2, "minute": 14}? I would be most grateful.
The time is {"hour": 12, "minute": 3}
